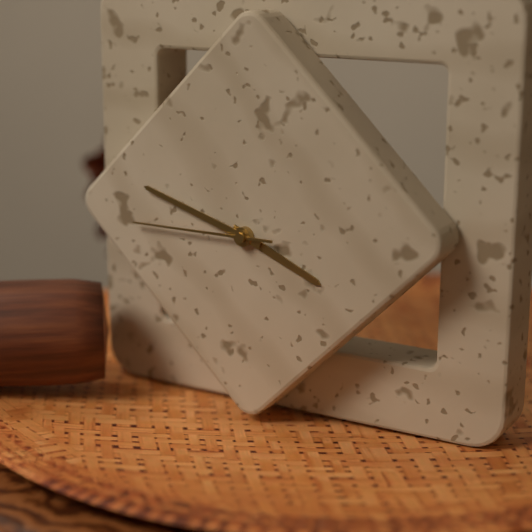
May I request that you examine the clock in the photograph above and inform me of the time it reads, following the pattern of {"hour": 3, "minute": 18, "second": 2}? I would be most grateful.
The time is {"hour": 3, "minute": 48, "second": 45}
